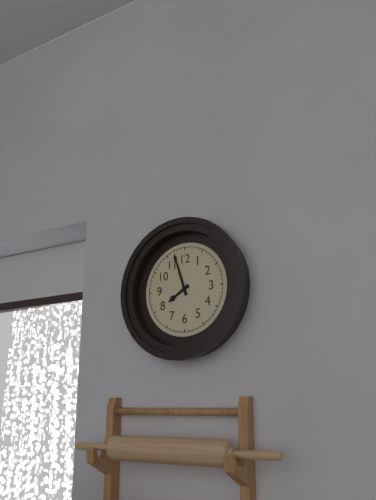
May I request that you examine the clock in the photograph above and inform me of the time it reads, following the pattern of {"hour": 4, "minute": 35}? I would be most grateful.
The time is {"hour": 7, "minute": 57}
